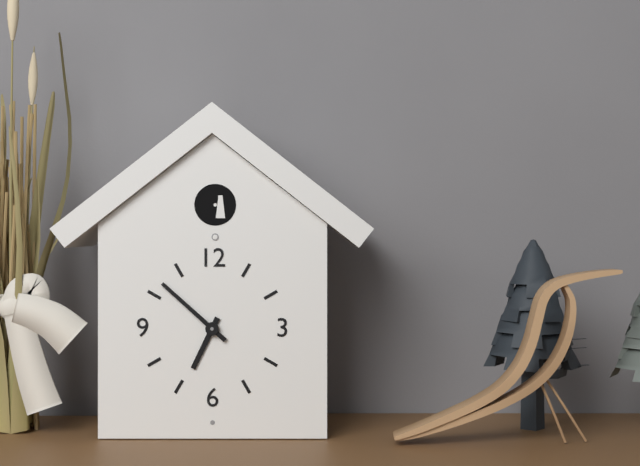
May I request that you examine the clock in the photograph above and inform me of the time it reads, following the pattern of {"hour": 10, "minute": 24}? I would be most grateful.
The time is {"hour": 6, "minute": 52}
